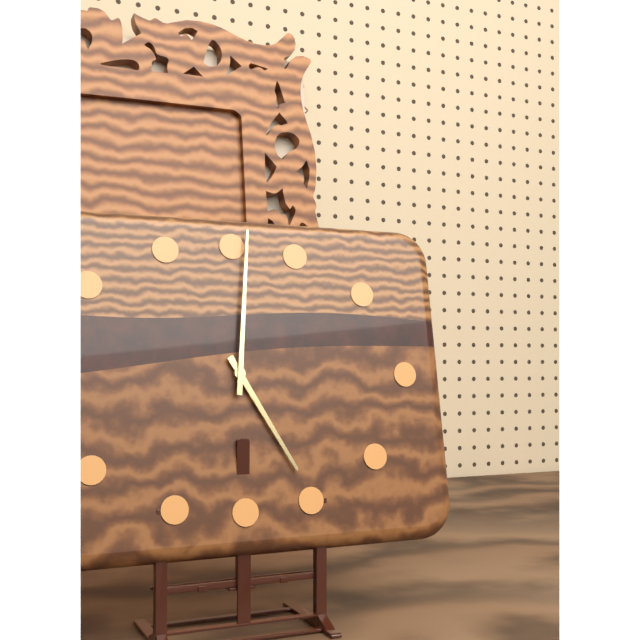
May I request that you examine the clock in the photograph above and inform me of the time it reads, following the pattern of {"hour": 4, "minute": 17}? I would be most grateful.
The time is {"hour": 5, "minute": 1}
